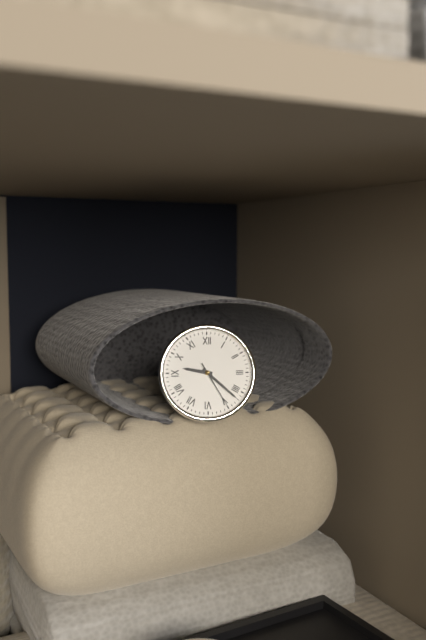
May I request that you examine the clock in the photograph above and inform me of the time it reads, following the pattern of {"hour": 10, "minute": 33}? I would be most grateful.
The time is {"hour": 9, "minute": 22}
